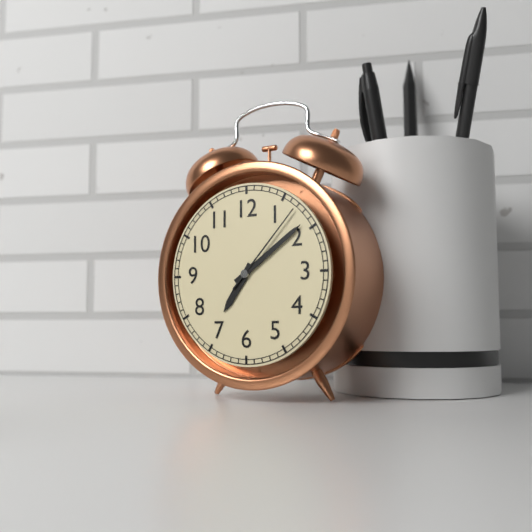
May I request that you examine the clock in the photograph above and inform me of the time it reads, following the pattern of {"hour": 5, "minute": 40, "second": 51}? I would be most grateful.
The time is {"hour": 7, "minute": 9, "second": 7}
